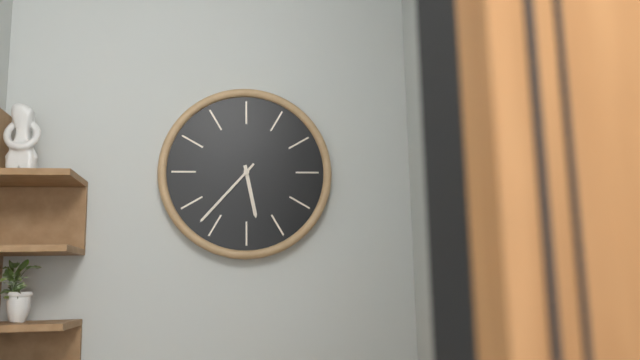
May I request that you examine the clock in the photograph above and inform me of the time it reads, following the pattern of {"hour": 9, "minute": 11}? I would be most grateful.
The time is {"hour": 5, "minute": 37}
